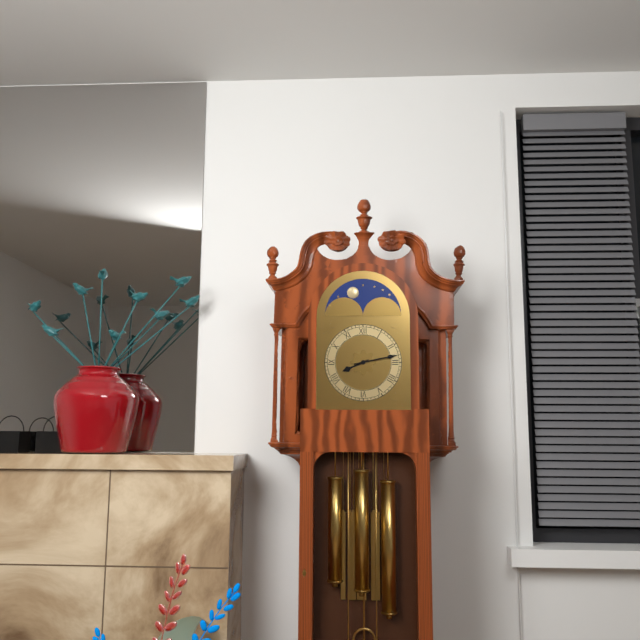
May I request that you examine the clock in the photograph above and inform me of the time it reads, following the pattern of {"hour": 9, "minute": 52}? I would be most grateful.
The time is {"hour": 8, "minute": 13}
